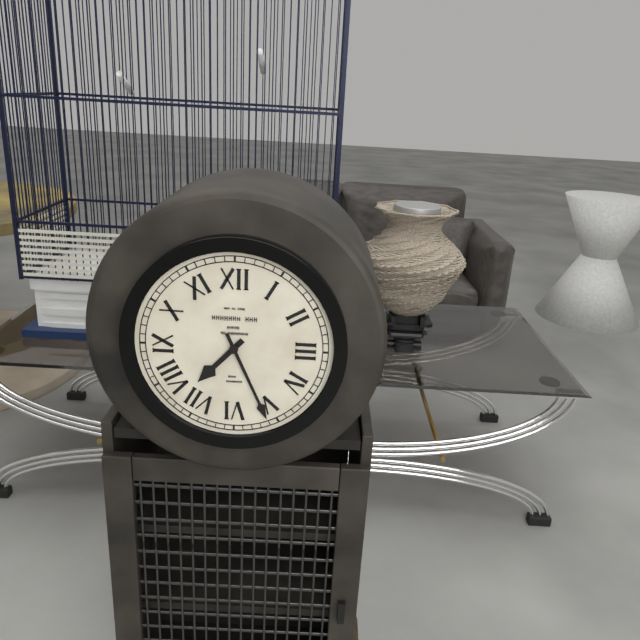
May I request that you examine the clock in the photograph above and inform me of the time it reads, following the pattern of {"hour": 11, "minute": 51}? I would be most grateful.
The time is {"hour": 7, "minute": 26}
